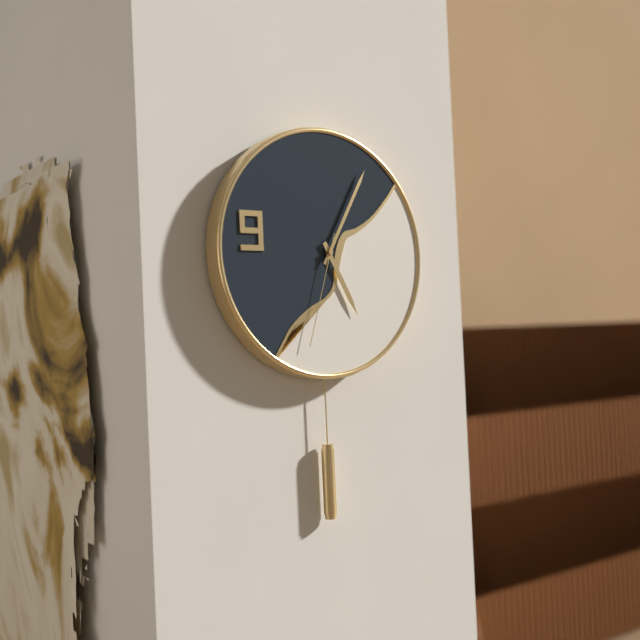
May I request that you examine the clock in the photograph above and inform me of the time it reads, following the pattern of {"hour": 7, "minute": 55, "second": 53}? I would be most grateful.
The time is {"hour": 5, "minute": 5, "second": 33}
